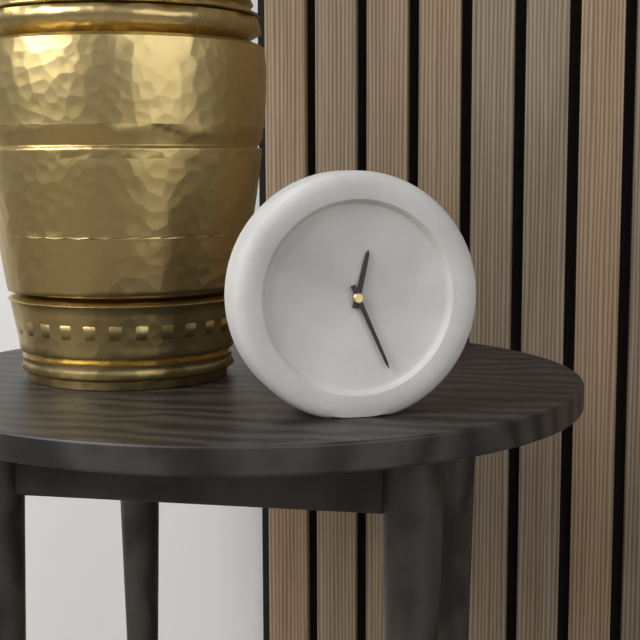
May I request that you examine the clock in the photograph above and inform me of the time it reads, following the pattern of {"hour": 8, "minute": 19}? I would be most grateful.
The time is {"hour": 12, "minute": 26}
